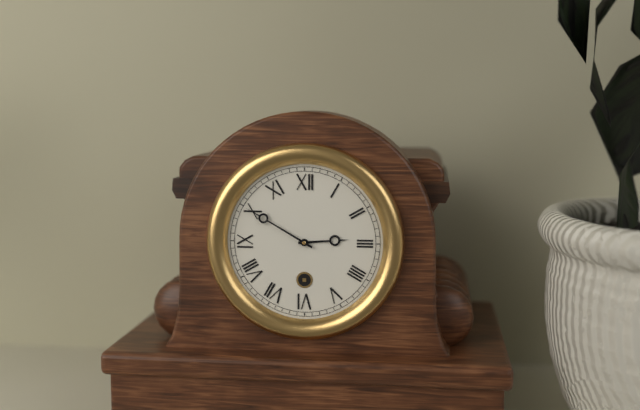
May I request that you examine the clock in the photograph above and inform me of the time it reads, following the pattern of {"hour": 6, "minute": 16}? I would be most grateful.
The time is {"hour": 2, "minute": 50}
